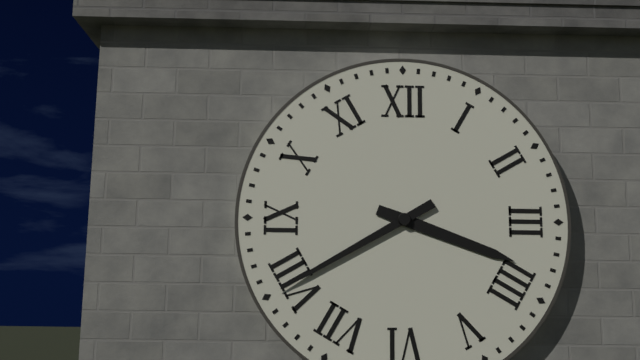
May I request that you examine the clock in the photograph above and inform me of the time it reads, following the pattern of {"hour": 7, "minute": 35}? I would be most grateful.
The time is {"hour": 3, "minute": 40}
